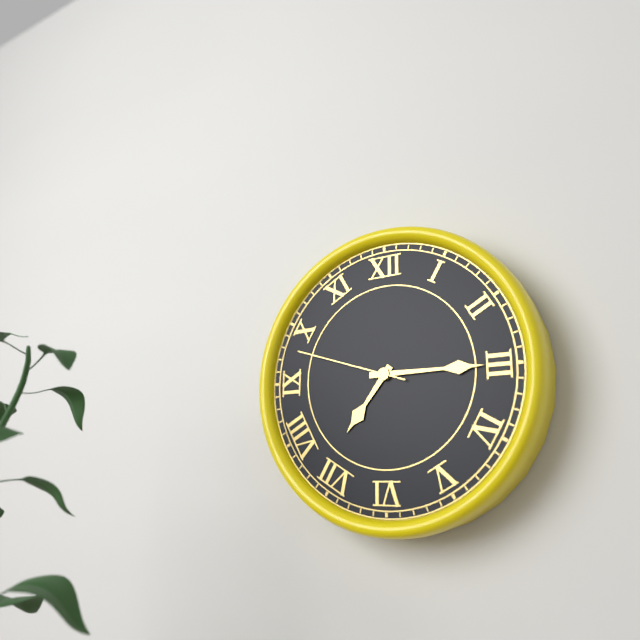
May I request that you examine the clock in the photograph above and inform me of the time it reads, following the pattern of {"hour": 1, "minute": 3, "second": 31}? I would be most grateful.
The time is {"hour": 7, "minute": 15, "second": 48}
